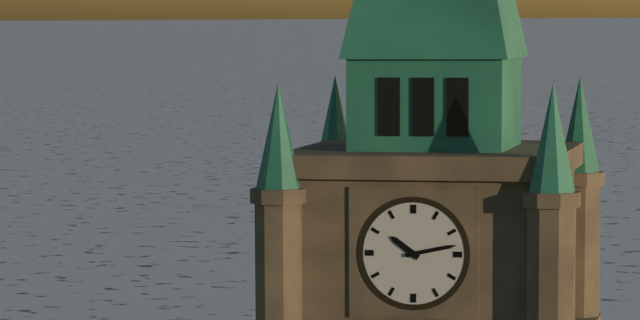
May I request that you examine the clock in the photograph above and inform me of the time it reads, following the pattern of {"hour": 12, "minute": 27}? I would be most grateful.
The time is {"hour": 10, "minute": 13}
